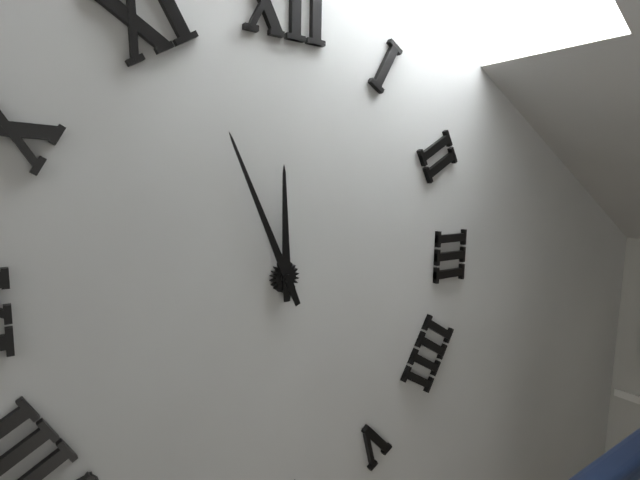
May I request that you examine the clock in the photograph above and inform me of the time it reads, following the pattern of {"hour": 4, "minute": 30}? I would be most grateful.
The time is {"hour": 11, "minute": 56}
